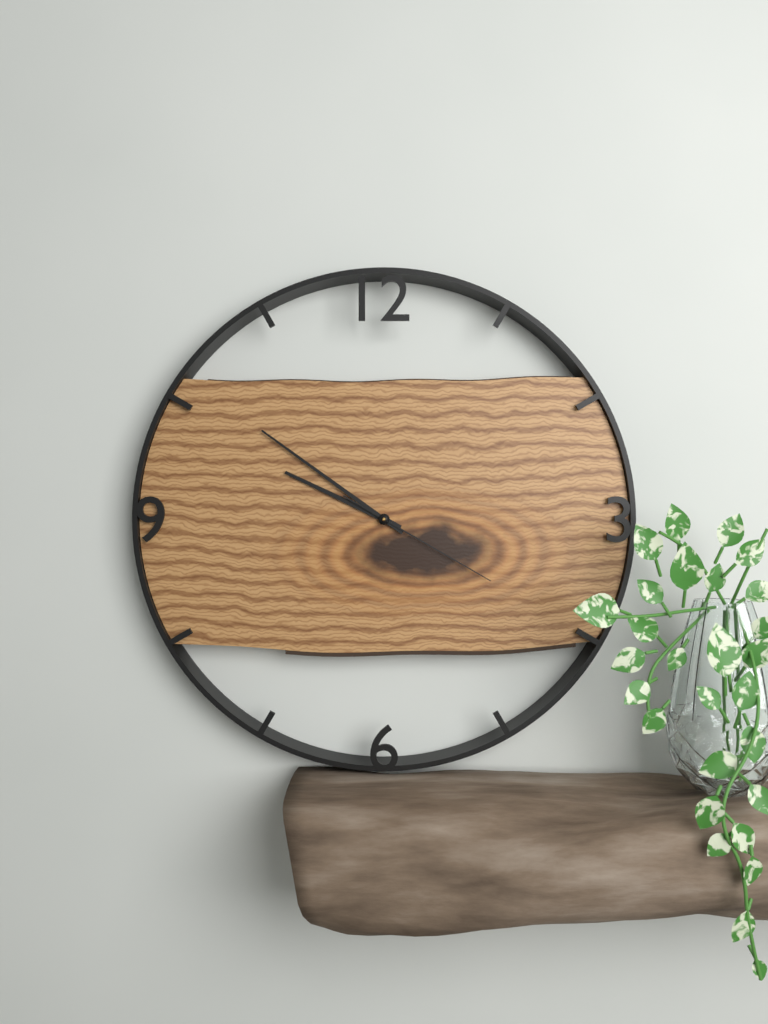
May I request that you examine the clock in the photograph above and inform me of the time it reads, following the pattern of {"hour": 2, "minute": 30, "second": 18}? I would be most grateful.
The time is {"hour": 9, "minute": 51, "second": 20}
